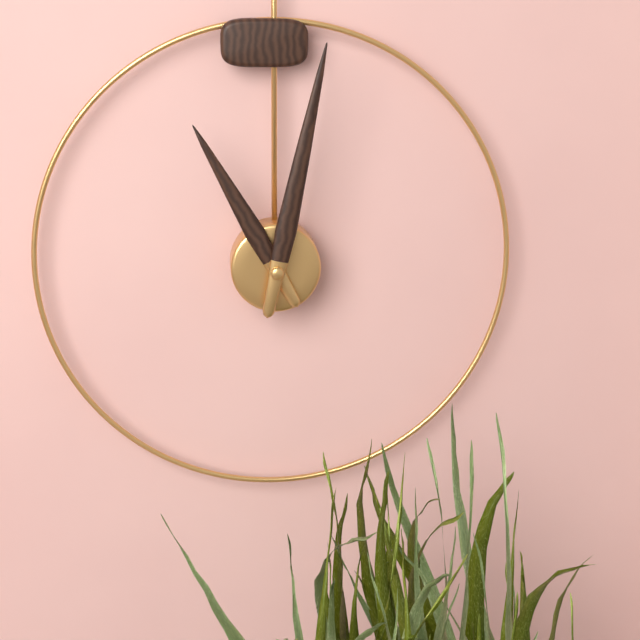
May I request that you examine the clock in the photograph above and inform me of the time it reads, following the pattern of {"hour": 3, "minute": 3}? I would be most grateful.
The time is {"hour": 11, "minute": 2}
